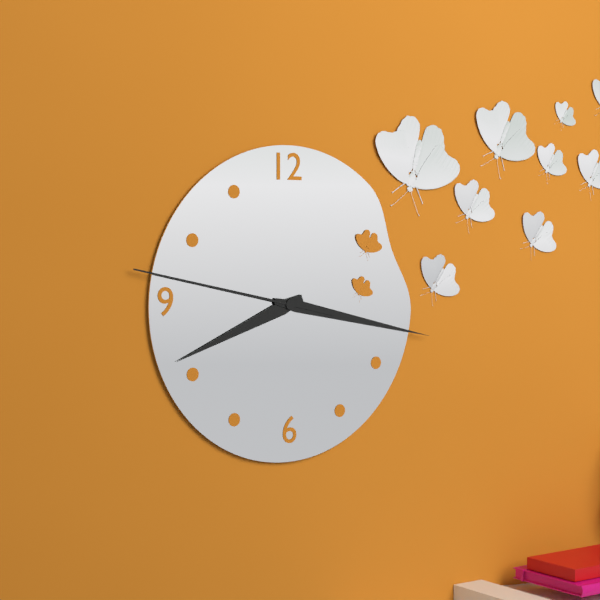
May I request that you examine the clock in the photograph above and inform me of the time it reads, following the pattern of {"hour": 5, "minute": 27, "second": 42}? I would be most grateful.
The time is {"hour": 8, "minute": 17, "second": 47}
